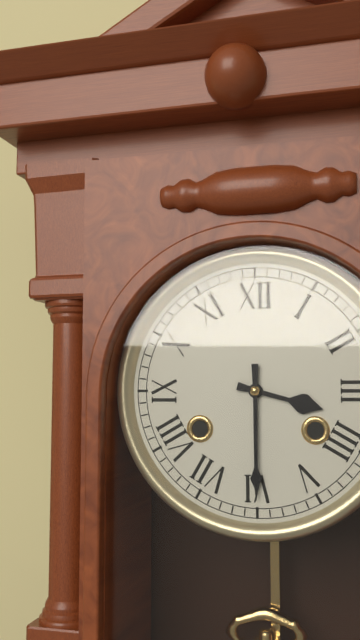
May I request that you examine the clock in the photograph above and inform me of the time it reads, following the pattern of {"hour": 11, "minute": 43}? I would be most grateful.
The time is {"hour": 3, "minute": 30}
